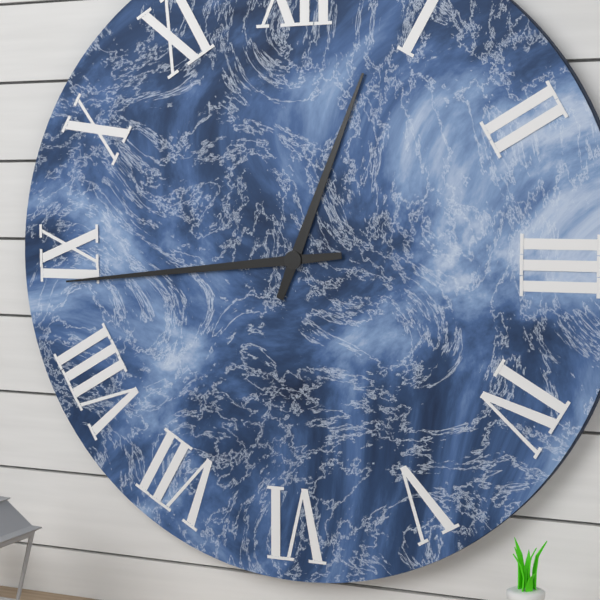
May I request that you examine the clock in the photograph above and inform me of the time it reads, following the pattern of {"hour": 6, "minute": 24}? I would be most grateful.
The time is {"hour": 12, "minute": 44}
